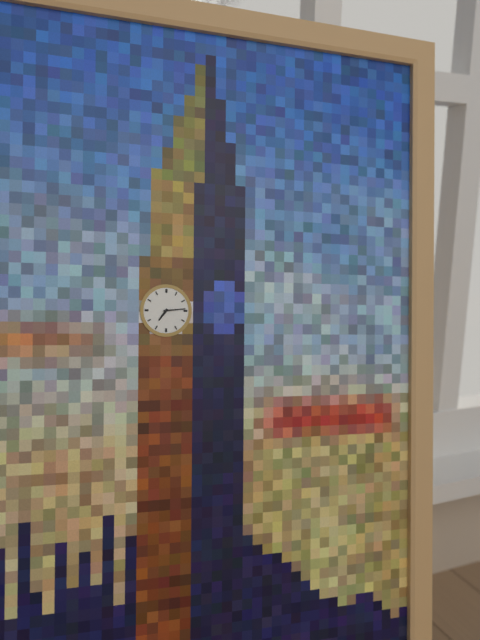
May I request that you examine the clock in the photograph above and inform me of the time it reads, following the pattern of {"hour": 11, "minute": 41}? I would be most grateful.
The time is {"hour": 7, "minute": 14}
